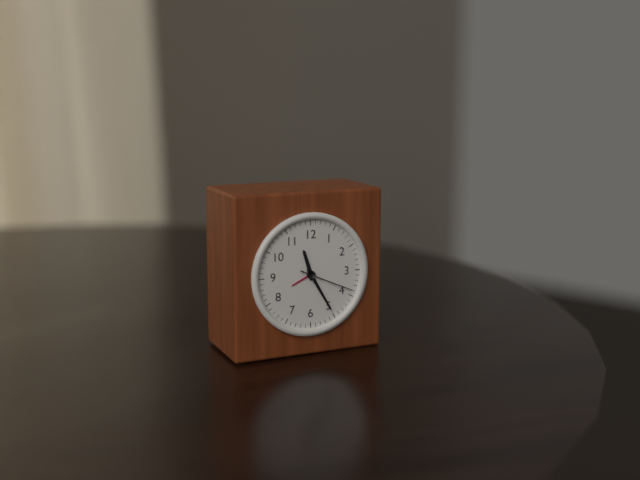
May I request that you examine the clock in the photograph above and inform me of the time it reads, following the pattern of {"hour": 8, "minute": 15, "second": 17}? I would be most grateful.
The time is {"hour": 11, "minute": 25, "second": 19}
